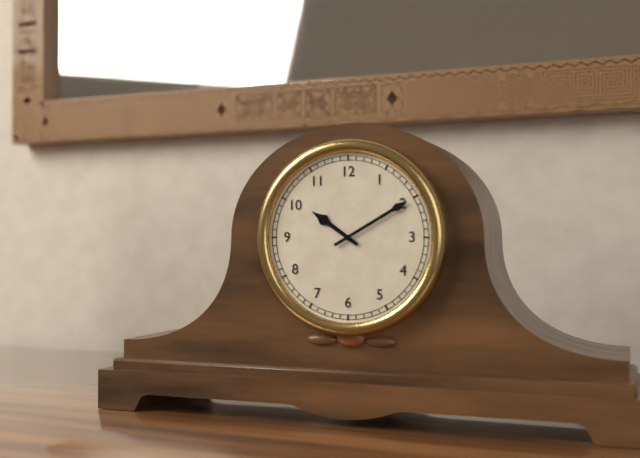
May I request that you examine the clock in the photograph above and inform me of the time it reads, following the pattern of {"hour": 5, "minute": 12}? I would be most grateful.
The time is {"hour": 10, "minute": 10}
